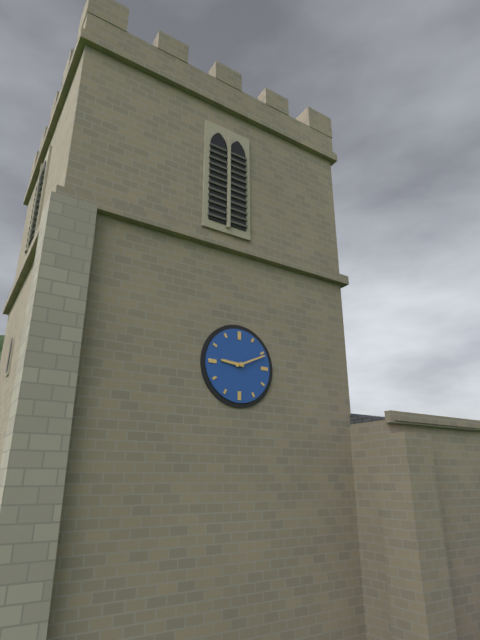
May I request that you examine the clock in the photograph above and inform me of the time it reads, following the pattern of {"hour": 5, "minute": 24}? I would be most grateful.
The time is {"hour": 9, "minute": 11}
